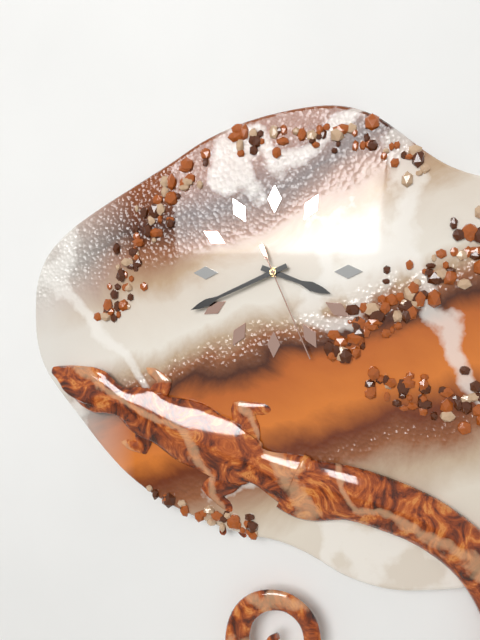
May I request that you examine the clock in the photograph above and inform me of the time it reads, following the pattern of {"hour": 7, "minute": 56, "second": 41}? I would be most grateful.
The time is {"hour": 3, "minute": 41, "second": 26}
